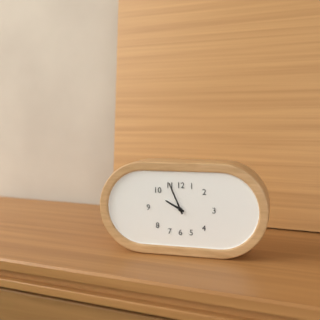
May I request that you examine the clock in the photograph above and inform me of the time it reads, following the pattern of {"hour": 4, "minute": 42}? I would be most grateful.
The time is {"hour": 9, "minute": 56}
